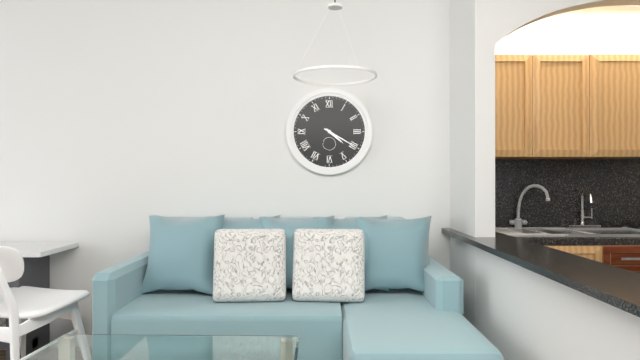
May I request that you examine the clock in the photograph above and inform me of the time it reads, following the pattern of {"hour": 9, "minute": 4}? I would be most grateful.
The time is {"hour": 4, "minute": 20}
